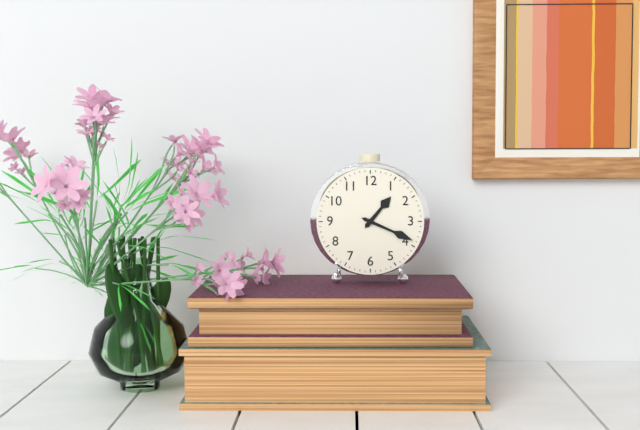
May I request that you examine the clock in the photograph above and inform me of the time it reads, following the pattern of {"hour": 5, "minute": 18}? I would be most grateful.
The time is {"hour": 1, "minute": 19}
